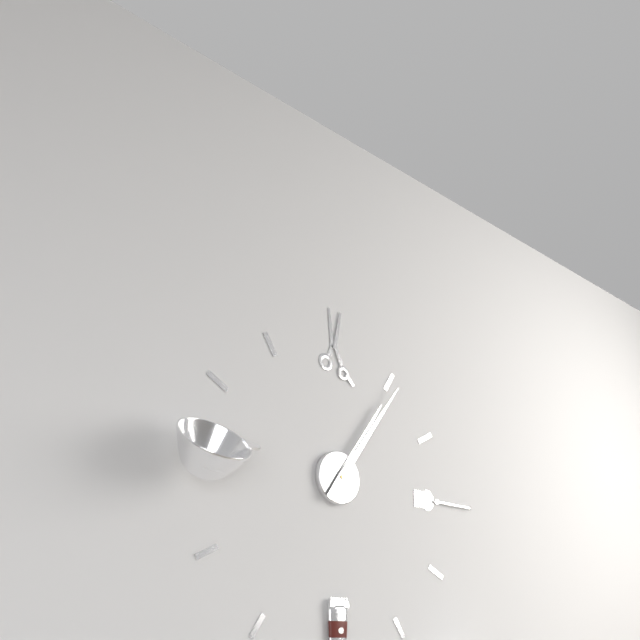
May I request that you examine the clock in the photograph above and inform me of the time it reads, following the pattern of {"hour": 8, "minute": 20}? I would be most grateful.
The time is {"hour": 1, "minute": 6}
